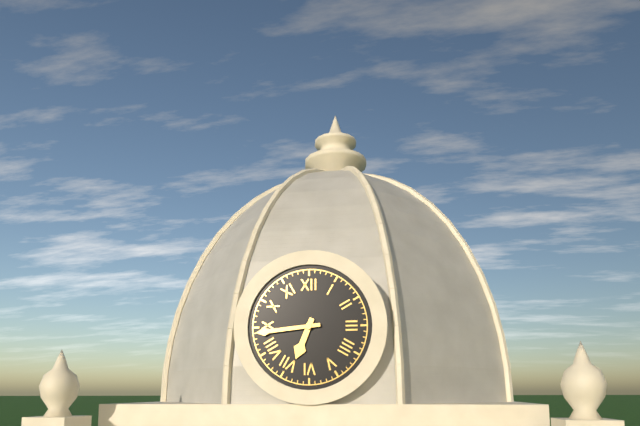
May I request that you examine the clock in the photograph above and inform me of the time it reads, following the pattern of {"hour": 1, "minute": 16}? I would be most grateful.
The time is {"hour": 6, "minute": 44}
